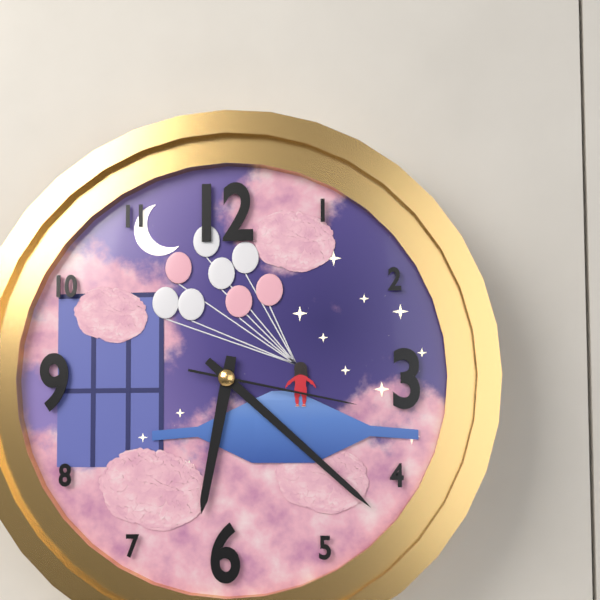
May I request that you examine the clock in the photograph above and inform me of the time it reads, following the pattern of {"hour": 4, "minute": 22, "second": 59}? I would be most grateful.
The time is {"hour": 6, "minute": 22, "second": 17}
